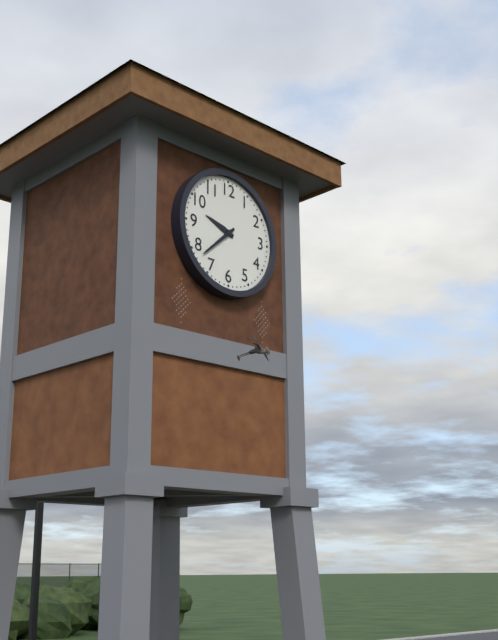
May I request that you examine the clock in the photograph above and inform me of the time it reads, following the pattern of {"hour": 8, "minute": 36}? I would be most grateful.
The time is {"hour": 9, "minute": 38}
